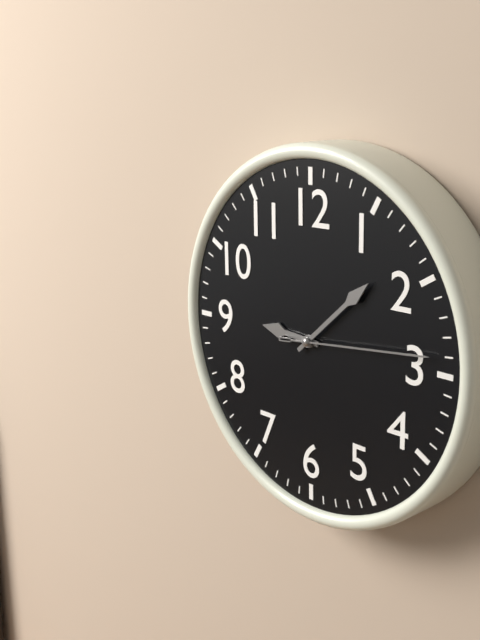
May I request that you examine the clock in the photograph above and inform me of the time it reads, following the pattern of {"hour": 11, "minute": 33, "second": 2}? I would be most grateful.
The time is {"hour": 9, "minute": 8, "second": 14}
